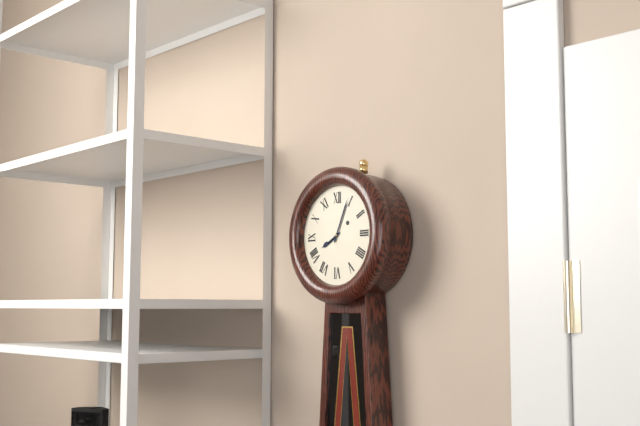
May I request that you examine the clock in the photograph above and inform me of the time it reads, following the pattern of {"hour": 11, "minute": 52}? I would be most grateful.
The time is {"hour": 8, "minute": 4}
